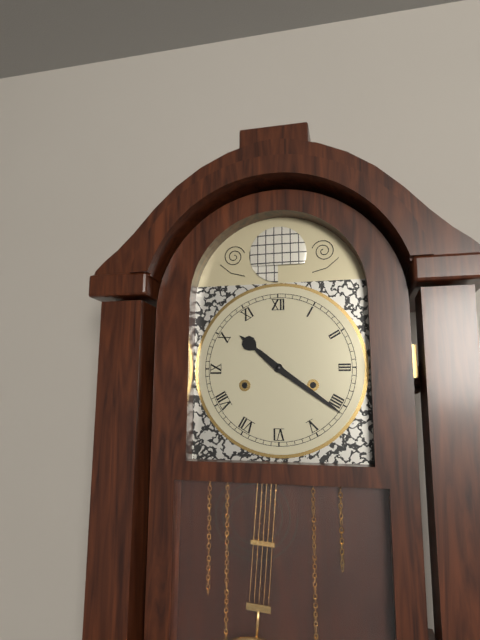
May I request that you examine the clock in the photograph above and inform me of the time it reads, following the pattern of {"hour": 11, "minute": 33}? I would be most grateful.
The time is {"hour": 10, "minute": 21}
